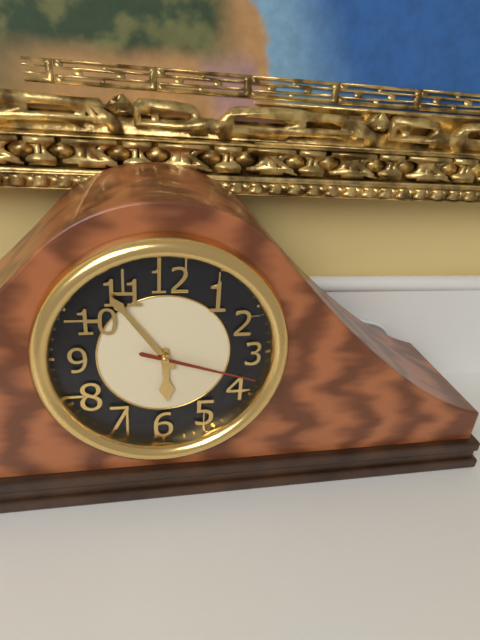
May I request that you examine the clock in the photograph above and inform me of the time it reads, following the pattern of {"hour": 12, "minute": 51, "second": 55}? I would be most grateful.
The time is {"hour": 5, "minute": 54, "second": 18}
